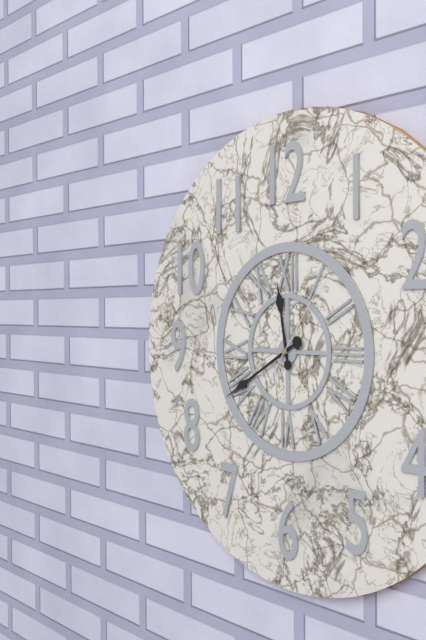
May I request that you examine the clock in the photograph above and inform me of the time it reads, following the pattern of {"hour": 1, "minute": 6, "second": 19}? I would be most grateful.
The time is {"hour": 11, "minute": 40, "second": 6}
